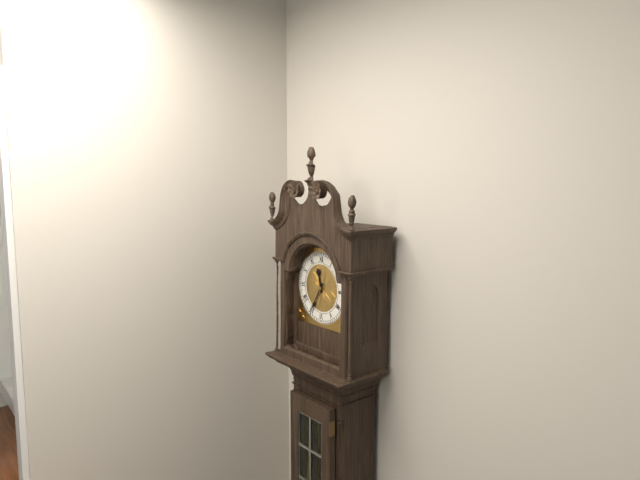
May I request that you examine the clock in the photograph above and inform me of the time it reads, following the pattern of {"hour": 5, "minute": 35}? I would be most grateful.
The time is {"hour": 11, "minute": 35}
